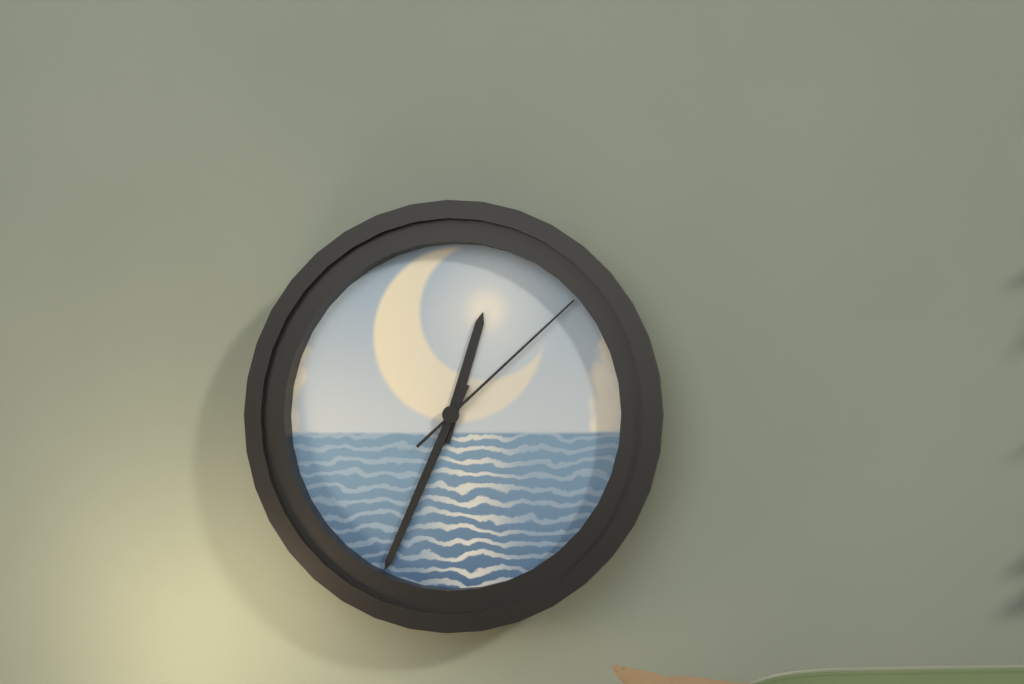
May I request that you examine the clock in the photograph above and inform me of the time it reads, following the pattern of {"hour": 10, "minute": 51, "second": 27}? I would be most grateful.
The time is {"hour": 12, "minute": 34, "second": 8}
